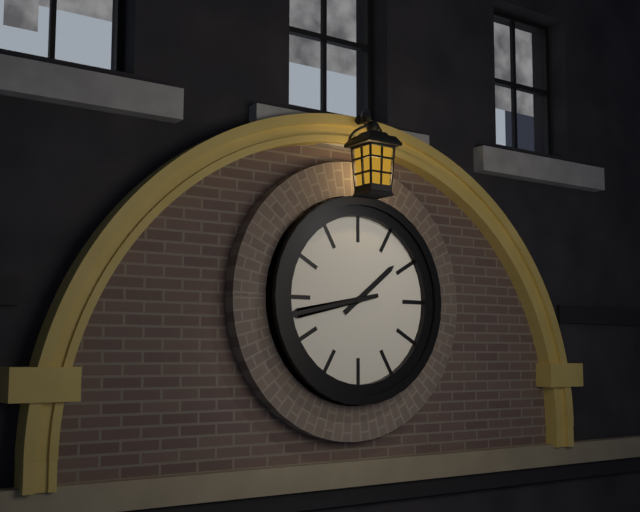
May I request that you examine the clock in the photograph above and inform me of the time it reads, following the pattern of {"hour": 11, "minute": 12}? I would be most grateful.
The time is {"hour": 1, "minute": 43}
